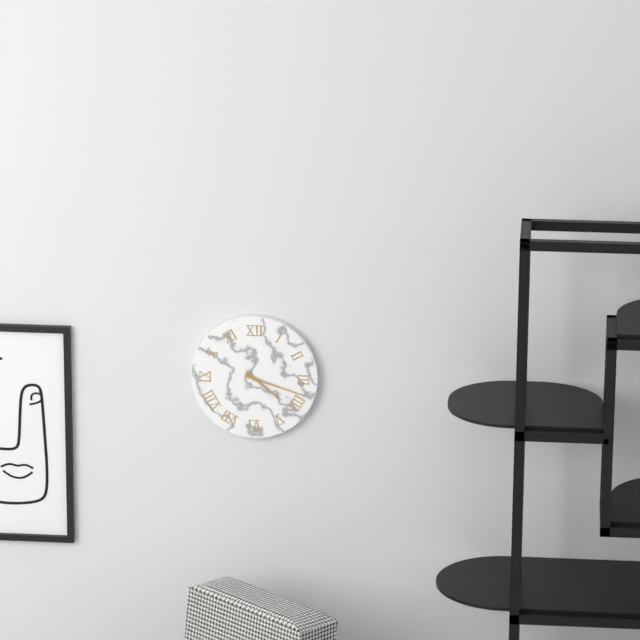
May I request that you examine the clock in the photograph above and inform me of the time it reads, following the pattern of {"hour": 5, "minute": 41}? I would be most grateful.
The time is {"hour": 4, "minute": 18}
